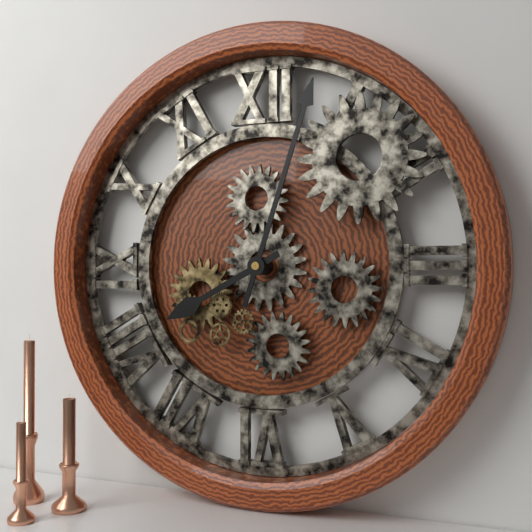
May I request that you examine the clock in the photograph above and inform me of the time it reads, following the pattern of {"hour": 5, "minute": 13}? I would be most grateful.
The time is {"hour": 8, "minute": 3}
